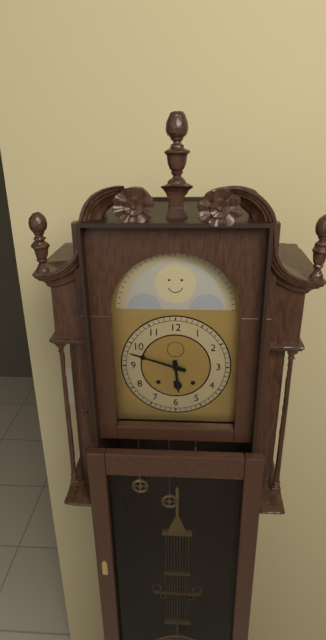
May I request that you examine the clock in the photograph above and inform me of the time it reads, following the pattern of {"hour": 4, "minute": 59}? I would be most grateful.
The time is {"hour": 5, "minute": 48}
